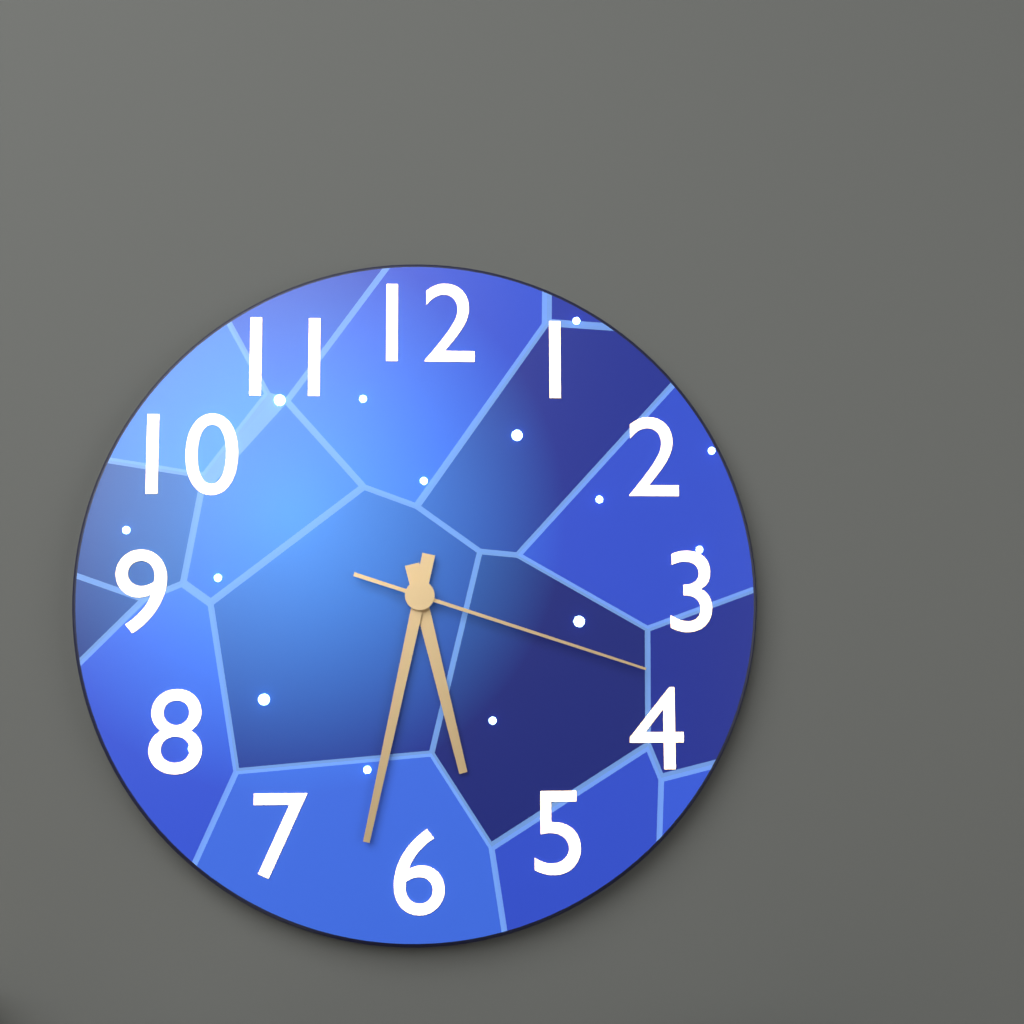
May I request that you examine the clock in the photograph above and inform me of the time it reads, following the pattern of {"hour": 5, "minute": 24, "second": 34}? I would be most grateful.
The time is {"hour": 5, "minute": 32, "second": 18}
